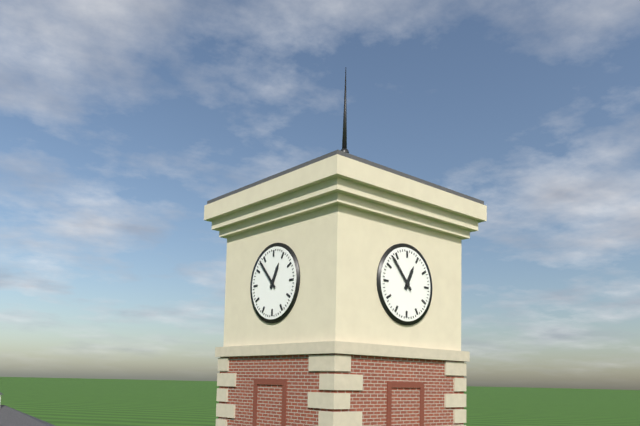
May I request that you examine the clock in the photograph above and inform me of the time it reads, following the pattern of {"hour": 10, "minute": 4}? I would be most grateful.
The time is {"hour": 12, "minute": 53}
